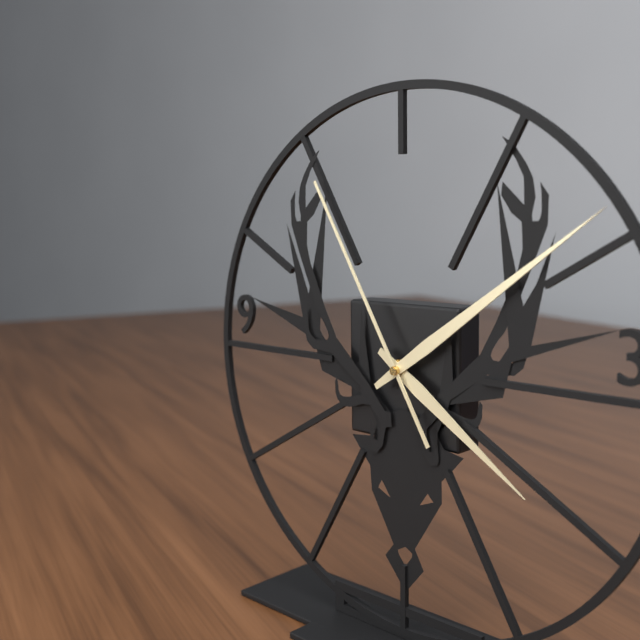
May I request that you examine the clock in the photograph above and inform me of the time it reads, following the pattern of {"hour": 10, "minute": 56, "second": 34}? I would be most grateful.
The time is {"hour": 4, "minute": 9, "second": 55}
